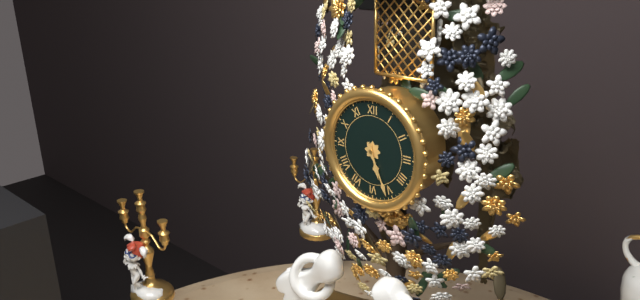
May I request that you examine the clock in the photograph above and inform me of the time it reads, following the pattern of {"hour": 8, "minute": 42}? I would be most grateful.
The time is {"hour": 5, "minute": 26}
